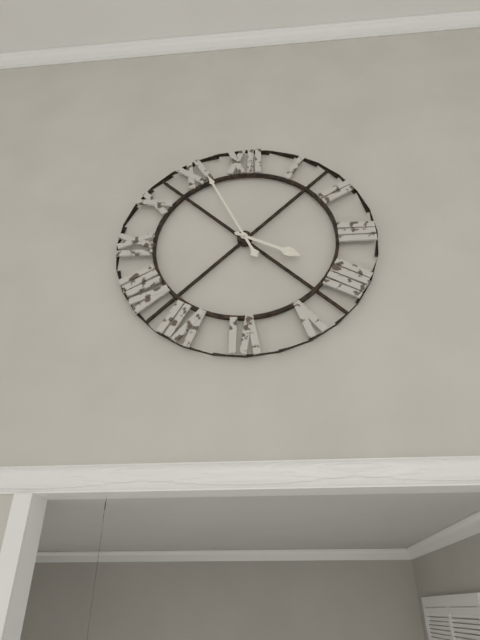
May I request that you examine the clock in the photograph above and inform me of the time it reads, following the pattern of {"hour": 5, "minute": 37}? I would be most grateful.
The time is {"hour": 3, "minute": 56}
